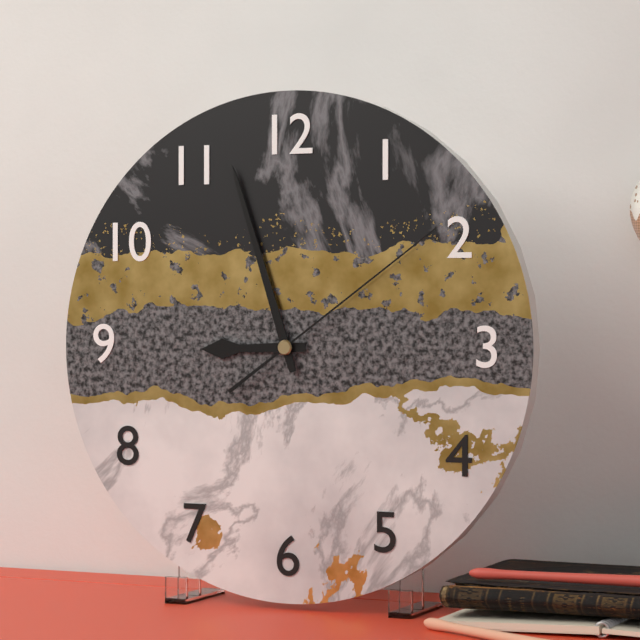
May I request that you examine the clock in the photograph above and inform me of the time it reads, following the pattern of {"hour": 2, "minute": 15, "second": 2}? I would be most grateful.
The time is {"hour": 8, "minute": 57, "second": 9}
